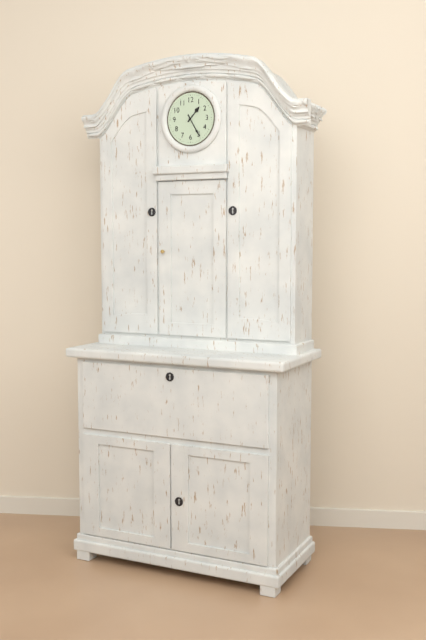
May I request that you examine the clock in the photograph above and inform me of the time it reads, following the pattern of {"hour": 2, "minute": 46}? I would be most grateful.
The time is {"hour": 1, "minute": 25}
